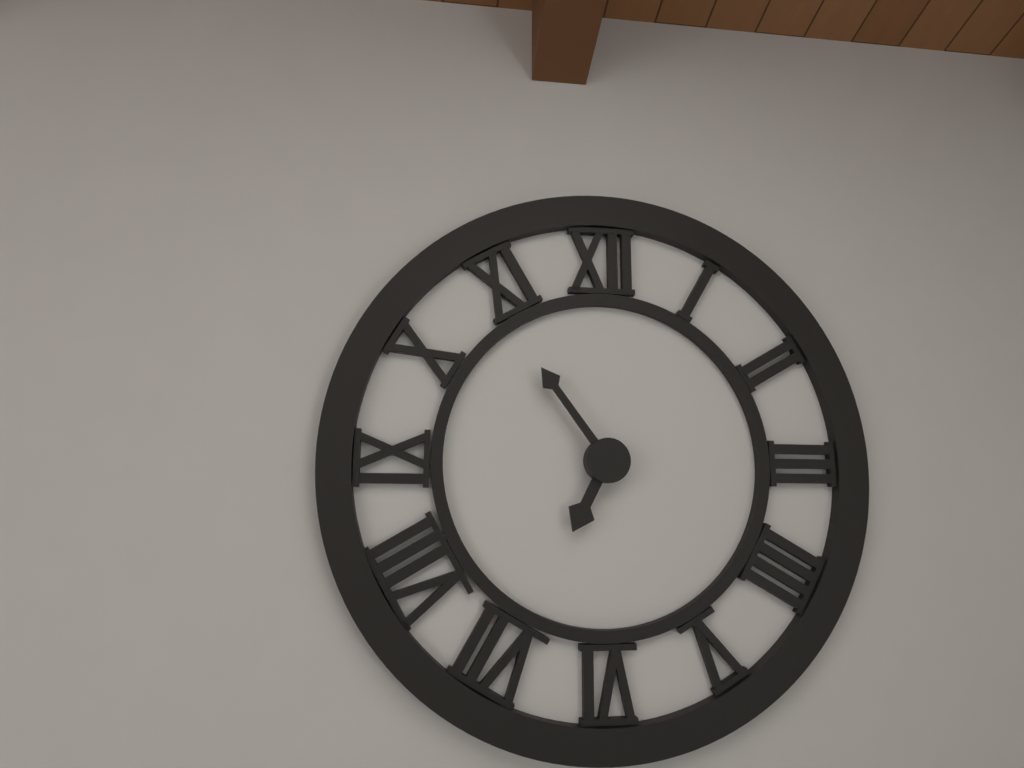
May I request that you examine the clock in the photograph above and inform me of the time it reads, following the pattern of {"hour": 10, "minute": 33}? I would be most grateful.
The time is {"hour": 6, "minute": 54}
